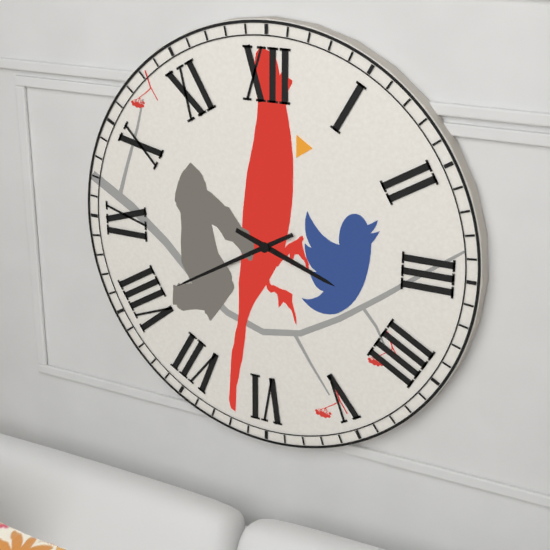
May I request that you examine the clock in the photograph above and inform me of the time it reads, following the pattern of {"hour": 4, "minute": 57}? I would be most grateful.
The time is {"hour": 3, "minute": 40}
